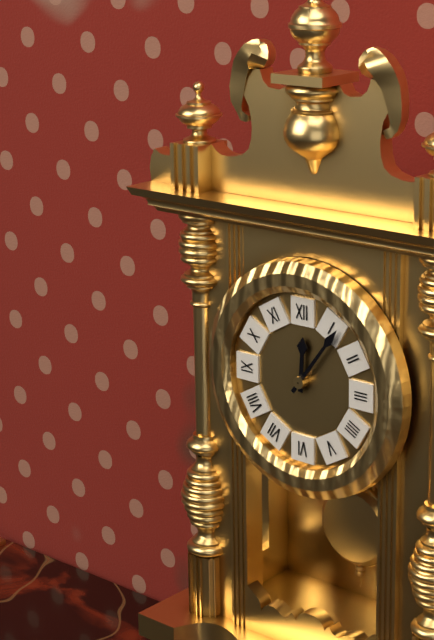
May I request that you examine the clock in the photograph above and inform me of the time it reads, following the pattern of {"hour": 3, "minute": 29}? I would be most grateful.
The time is {"hour": 12, "minute": 6}
